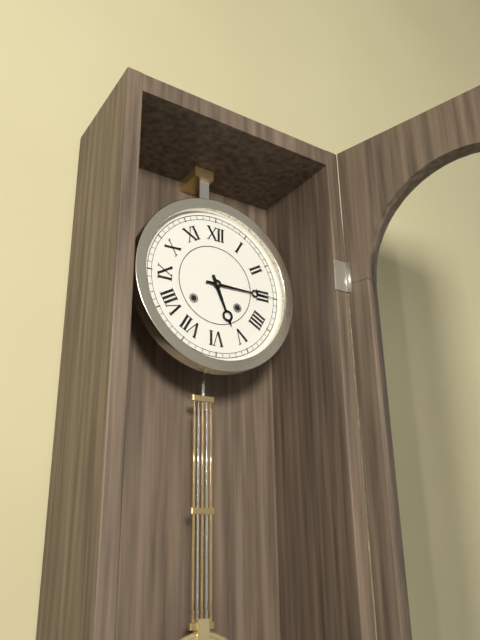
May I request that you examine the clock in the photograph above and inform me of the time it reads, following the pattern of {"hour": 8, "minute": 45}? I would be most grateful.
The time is {"hour": 5, "minute": 15}
